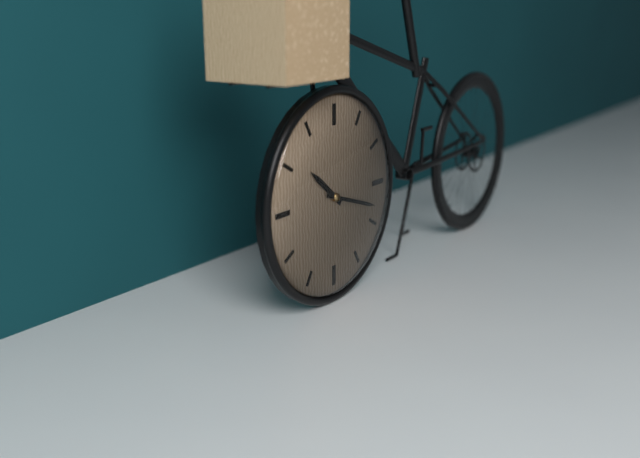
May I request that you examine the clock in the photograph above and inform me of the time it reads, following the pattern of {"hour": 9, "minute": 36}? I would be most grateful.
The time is {"hour": 10, "minute": 18}
